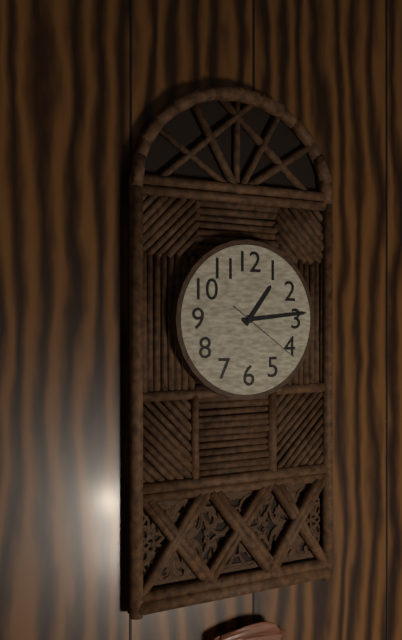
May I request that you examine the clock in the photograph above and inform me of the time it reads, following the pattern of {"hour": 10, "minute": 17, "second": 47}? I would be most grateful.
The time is {"hour": 1, "minute": 14, "second": 21}
